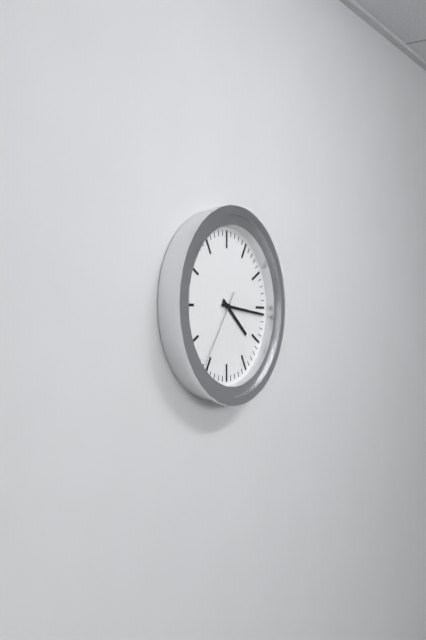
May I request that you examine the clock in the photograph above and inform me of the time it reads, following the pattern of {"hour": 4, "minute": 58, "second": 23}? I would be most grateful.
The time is {"hour": 4, "minute": 16, "second": 36}
